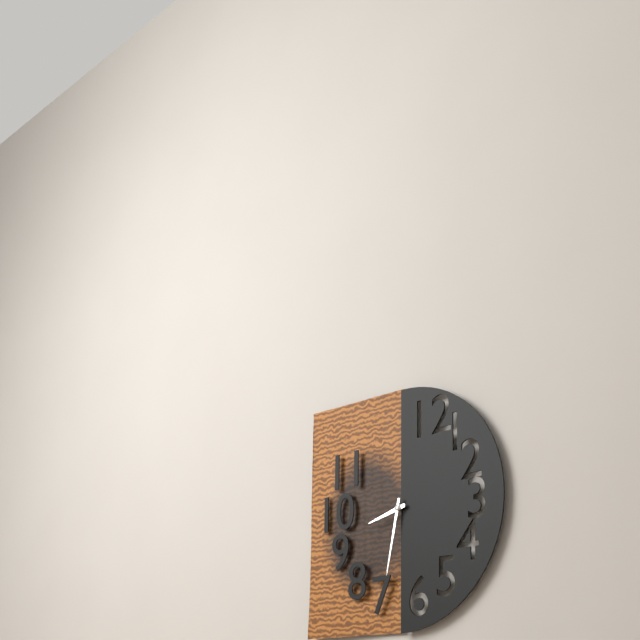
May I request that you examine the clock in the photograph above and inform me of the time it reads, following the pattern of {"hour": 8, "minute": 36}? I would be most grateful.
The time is {"hour": 8, "minute": 32}
